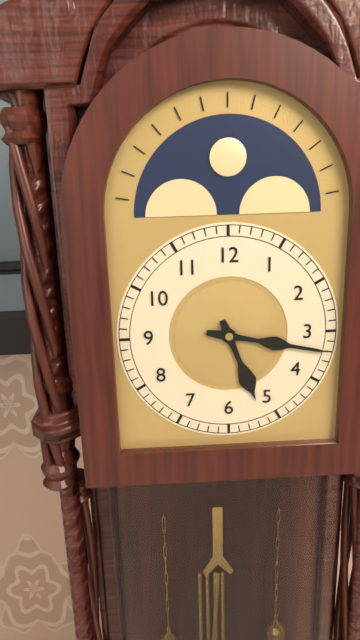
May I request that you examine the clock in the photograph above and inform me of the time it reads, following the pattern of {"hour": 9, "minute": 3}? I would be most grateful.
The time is {"hour": 5, "minute": 17}
